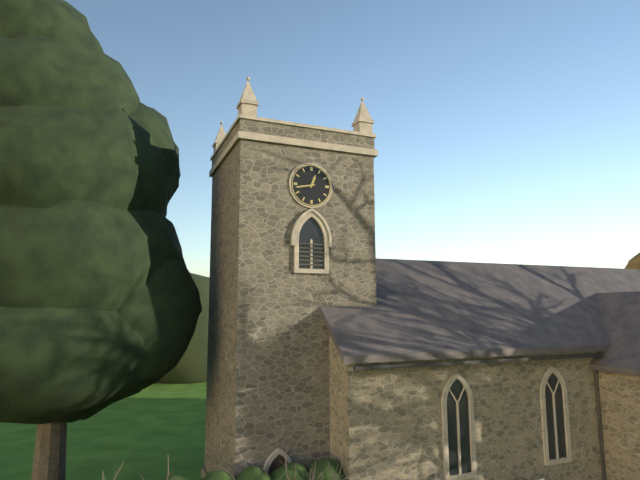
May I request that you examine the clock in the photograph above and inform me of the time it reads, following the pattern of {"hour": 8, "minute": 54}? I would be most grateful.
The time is {"hour": 12, "minute": 43}
